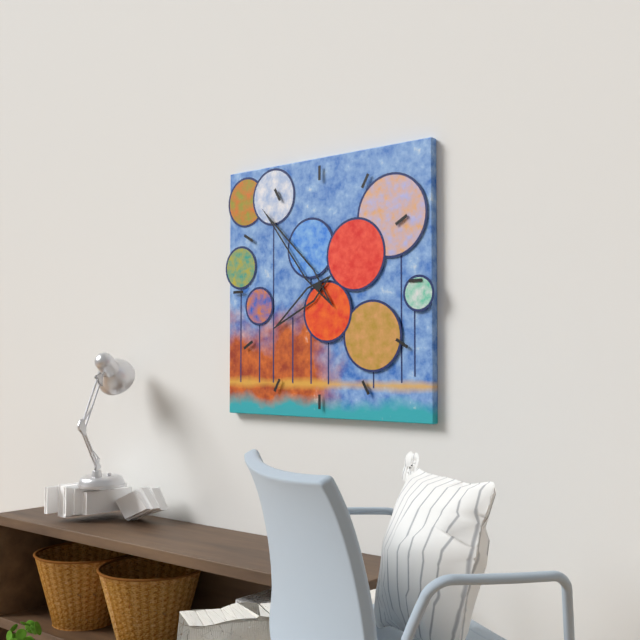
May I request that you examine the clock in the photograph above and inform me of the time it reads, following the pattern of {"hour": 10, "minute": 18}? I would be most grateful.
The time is {"hour": 7, "minute": 53}
